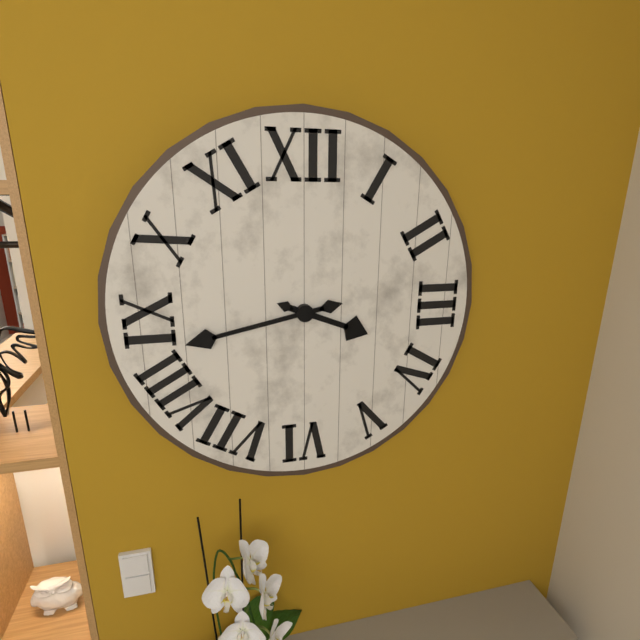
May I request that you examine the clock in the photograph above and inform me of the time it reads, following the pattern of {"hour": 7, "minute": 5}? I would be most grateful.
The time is {"hour": 3, "minute": 43}
